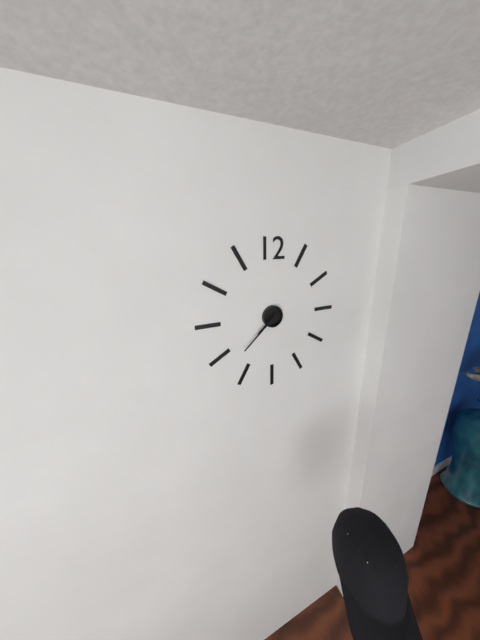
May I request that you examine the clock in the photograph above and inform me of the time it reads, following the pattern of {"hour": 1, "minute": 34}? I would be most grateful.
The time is {"hour": 7, "minute": 38}
